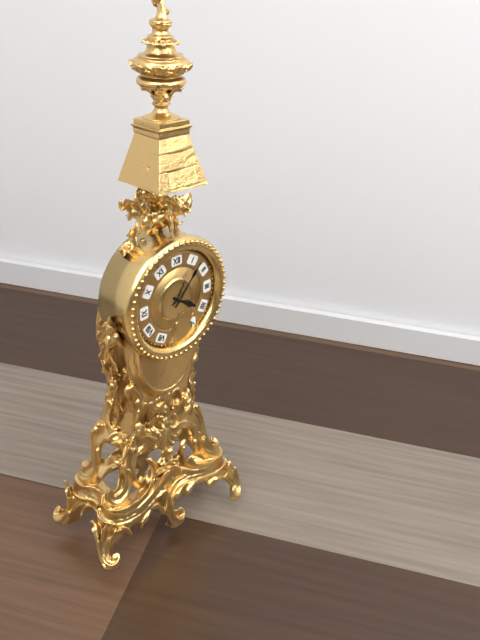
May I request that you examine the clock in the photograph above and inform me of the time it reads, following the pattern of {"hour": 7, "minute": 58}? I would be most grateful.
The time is {"hour": 4, "minute": 7}
